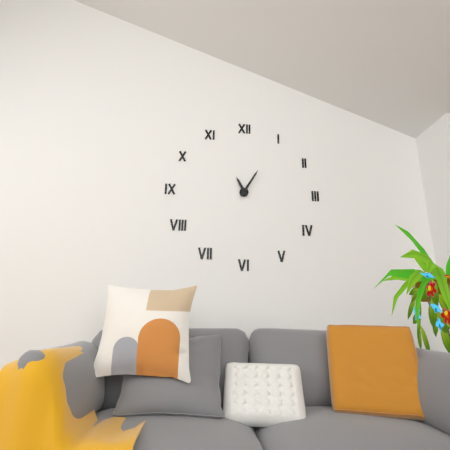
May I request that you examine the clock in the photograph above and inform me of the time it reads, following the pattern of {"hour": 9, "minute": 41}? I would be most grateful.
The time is {"hour": 11, "minute": 5}
